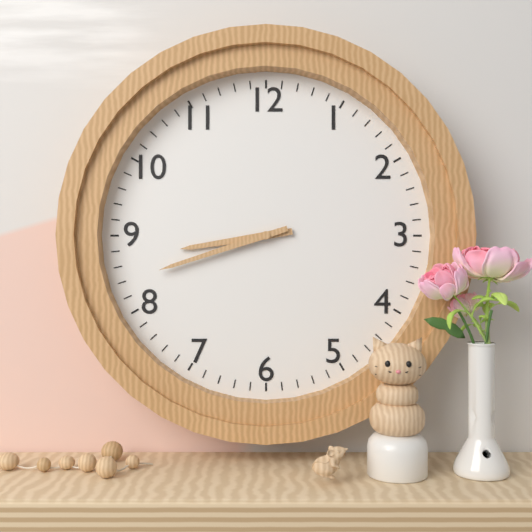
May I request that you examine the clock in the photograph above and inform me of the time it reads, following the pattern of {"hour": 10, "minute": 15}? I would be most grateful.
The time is {"hour": 8, "minute": 42}
